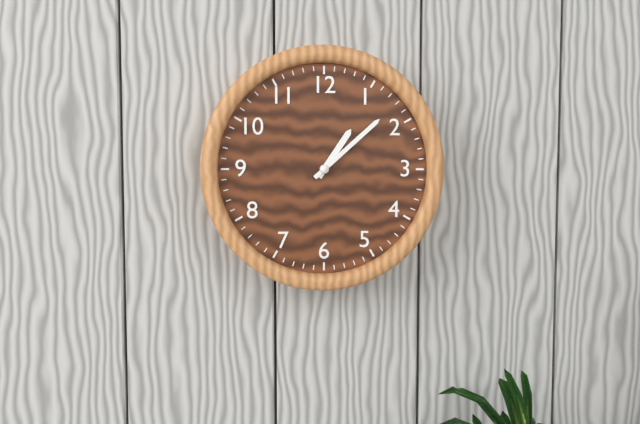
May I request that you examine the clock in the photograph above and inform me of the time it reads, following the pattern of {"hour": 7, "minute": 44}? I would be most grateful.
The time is {"hour": 1, "minute": 8}
